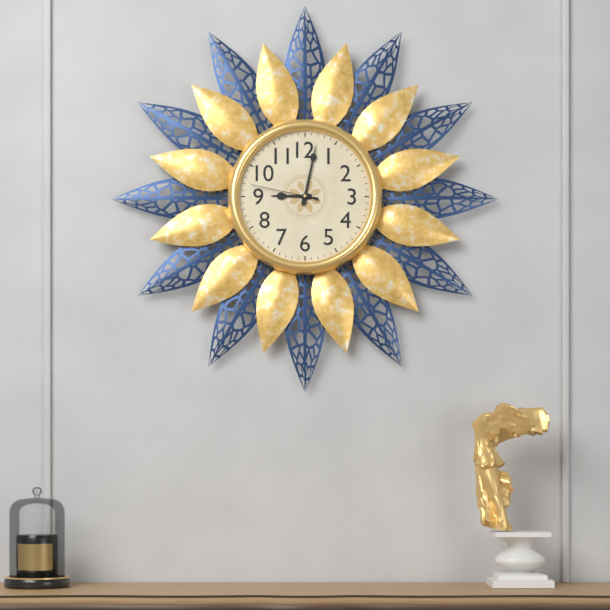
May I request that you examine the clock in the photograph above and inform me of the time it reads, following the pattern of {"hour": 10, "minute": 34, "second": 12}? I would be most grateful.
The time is {"hour": 9, "minute": 2, "second": 47}
